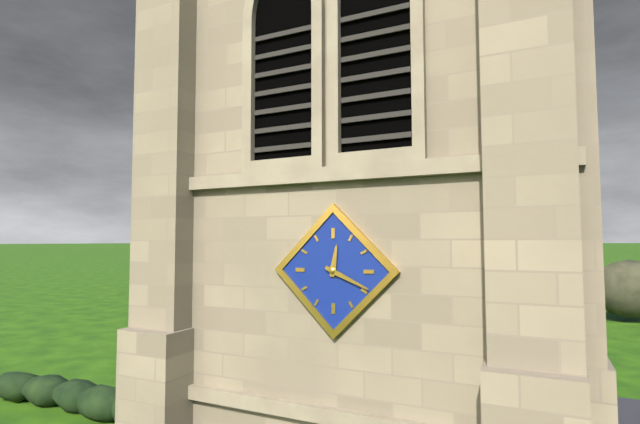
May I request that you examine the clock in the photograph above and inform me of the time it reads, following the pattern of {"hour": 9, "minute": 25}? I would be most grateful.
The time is {"hour": 12, "minute": 19}
